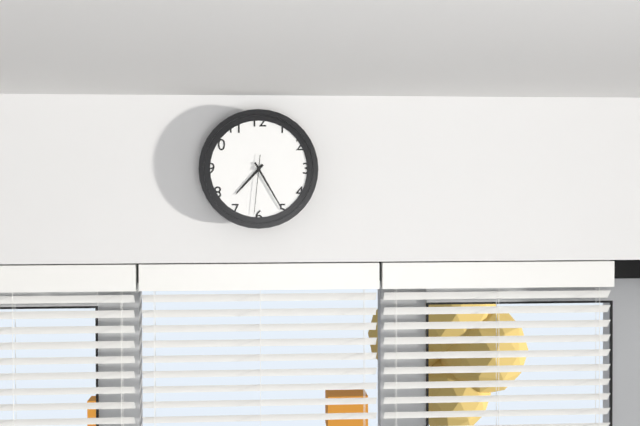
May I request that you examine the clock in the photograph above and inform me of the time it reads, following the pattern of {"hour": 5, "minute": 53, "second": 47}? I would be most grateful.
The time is {"hour": 7, "minute": 25, "second": 31}
